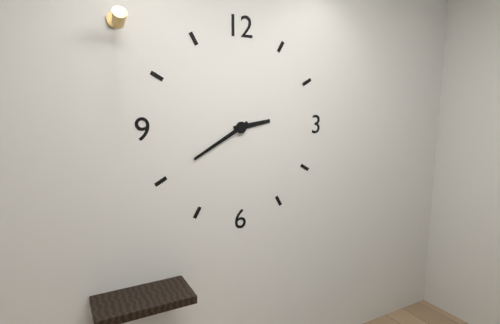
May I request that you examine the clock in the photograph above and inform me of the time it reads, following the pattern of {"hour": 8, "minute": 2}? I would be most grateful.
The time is {"hour": 2, "minute": 40}
